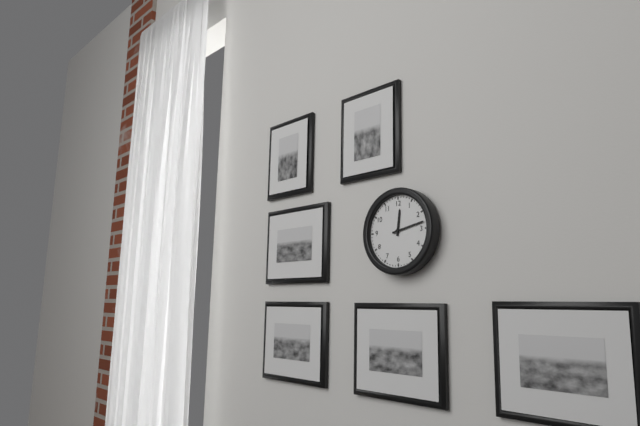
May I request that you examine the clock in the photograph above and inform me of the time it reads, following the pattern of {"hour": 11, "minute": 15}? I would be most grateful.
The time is {"hour": 12, "minute": 13}
